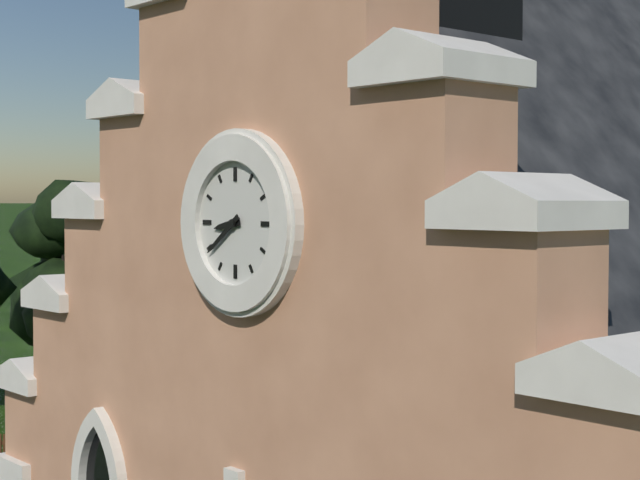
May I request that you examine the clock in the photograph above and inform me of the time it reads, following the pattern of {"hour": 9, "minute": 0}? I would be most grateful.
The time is {"hour": 8, "minute": 39}
